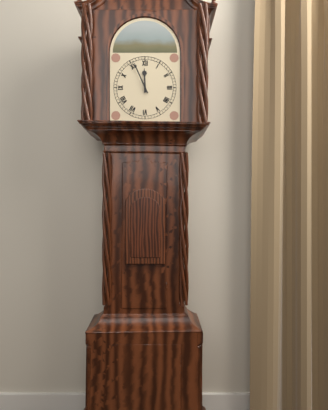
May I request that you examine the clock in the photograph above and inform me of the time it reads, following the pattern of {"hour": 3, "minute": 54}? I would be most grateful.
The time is {"hour": 11, "minute": 56}
